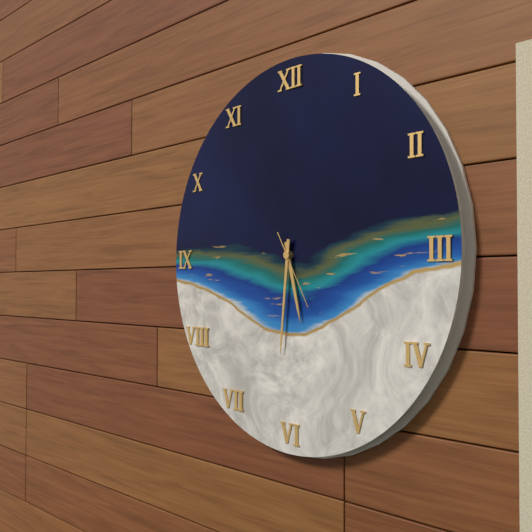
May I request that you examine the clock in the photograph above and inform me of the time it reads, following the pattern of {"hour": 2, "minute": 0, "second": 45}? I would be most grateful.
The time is {"hour": 5, "minute": 31, "second": 25}
